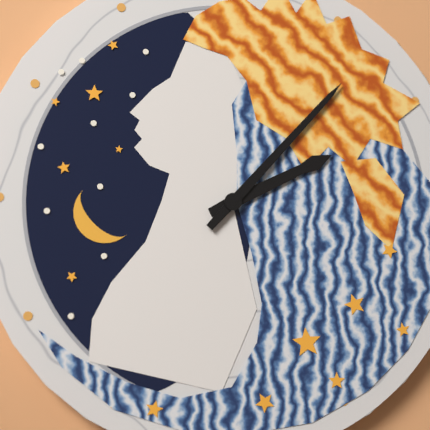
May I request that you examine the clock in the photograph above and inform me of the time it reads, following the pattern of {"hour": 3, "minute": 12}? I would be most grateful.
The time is {"hour": 2, "minute": 7}
